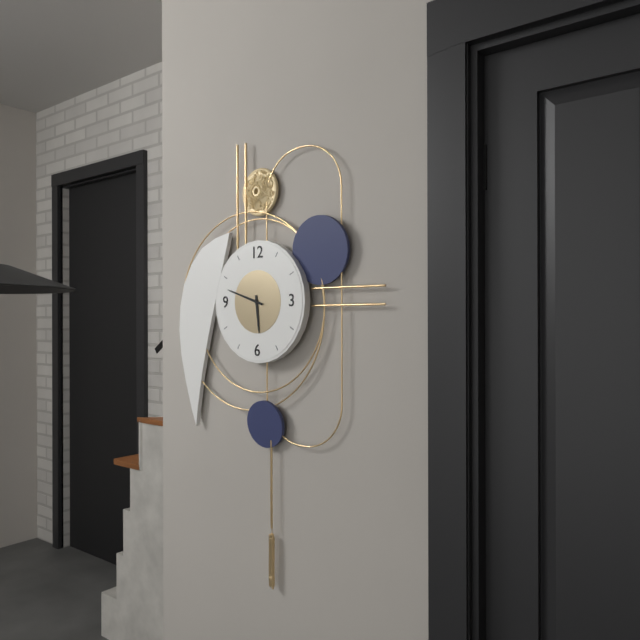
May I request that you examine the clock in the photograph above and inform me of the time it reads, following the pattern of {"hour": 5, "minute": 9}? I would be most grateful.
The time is {"hour": 5, "minute": 48}
